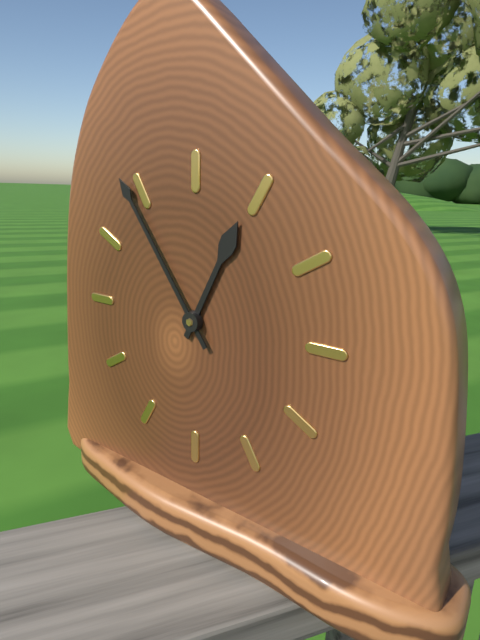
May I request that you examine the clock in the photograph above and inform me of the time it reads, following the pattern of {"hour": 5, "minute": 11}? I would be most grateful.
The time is {"hour": 12, "minute": 54}
